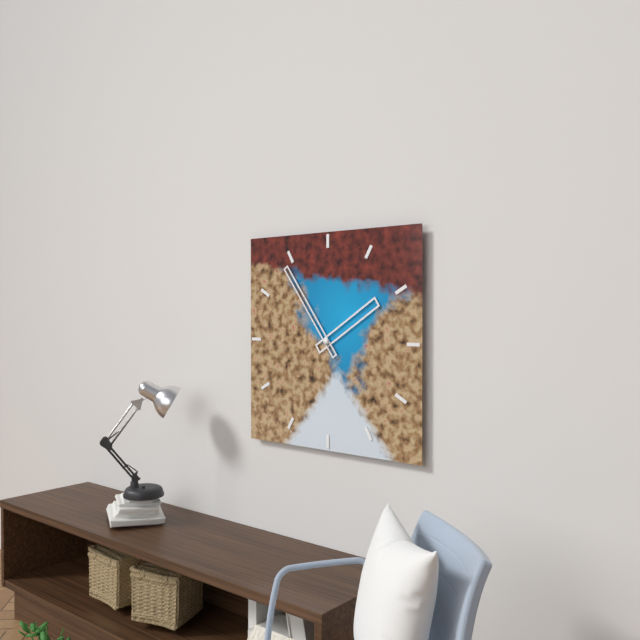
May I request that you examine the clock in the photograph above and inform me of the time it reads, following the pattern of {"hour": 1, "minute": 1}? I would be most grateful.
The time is {"hour": 1, "minute": 54}
